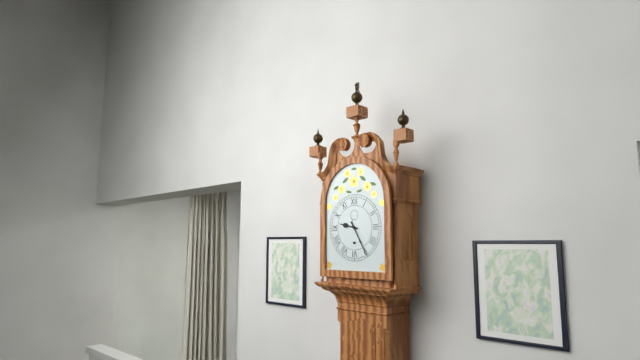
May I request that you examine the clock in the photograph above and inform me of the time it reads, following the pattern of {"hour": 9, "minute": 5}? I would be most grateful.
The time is {"hour": 9, "minute": 25}
